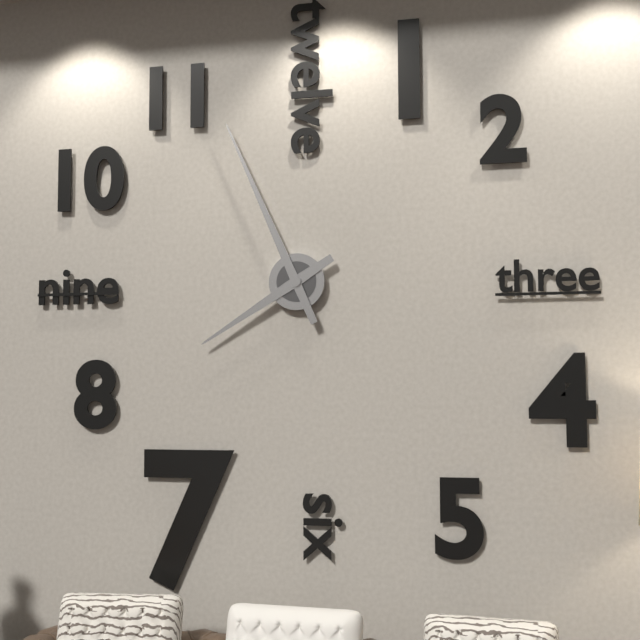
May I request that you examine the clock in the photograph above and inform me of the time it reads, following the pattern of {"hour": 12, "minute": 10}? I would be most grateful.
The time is {"hour": 7, "minute": 56}
